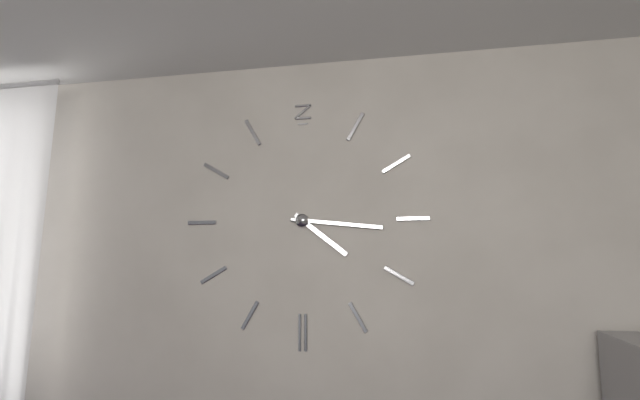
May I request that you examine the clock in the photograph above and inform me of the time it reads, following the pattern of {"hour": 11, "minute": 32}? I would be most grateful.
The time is {"hour": 4, "minute": 16}
